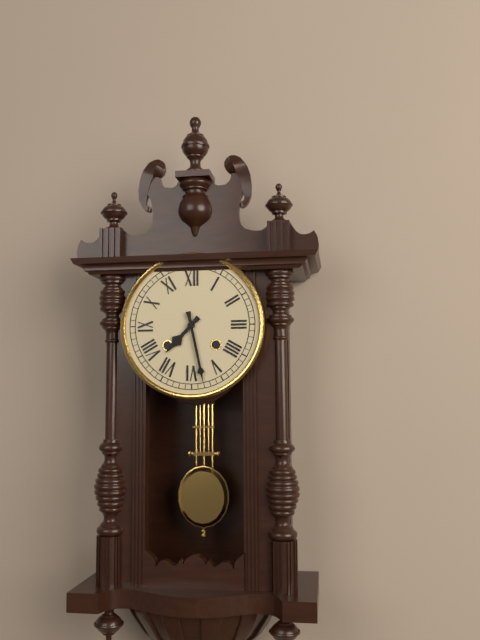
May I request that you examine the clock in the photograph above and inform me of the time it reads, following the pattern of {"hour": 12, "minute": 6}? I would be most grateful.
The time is {"hour": 7, "minute": 28}
